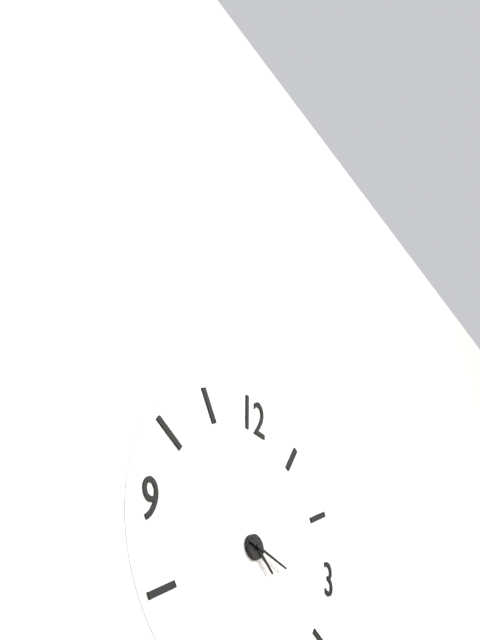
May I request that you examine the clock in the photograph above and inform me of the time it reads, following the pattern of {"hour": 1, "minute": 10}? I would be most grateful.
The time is {"hour": 4, "minute": 17}
